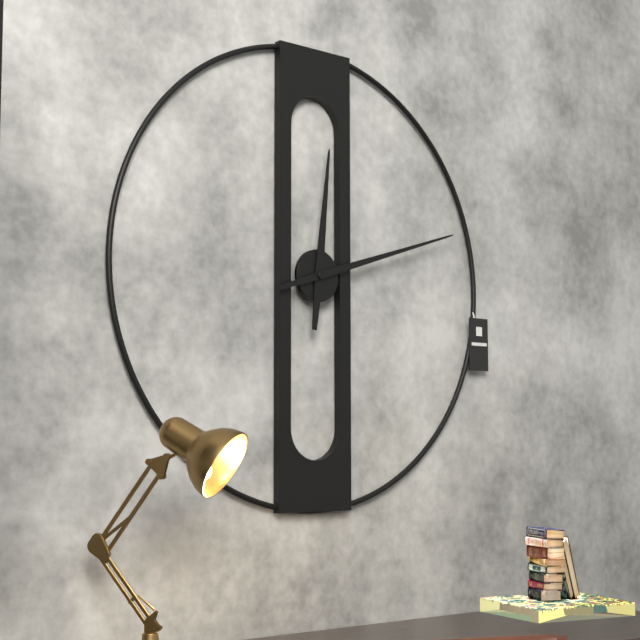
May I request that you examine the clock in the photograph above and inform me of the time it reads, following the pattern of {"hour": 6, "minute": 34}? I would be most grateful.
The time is {"hour": 12, "minute": 12}
